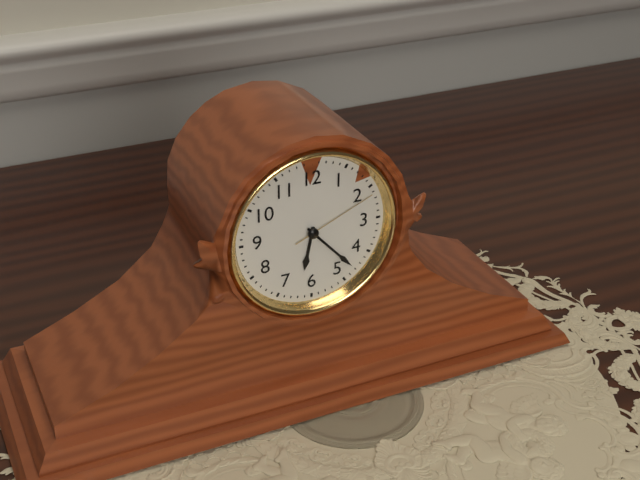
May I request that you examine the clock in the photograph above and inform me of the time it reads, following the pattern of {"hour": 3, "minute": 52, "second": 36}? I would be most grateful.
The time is {"hour": 6, "minute": 23, "second": 11}
